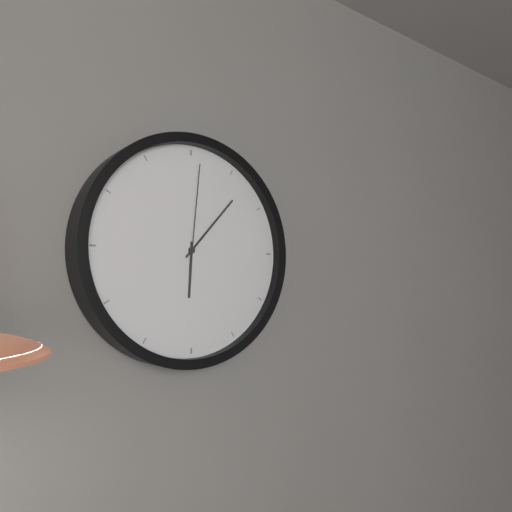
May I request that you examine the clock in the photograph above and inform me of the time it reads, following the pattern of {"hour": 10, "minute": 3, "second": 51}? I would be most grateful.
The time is {"hour": 6, "minute": 7, "second": 1}
